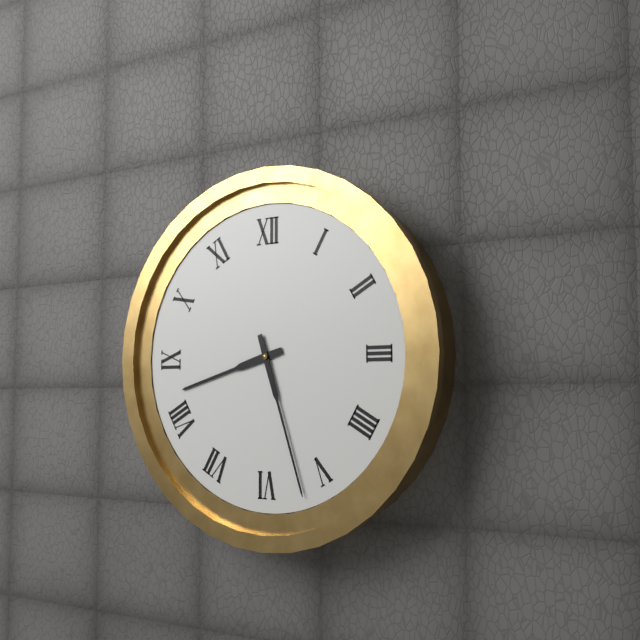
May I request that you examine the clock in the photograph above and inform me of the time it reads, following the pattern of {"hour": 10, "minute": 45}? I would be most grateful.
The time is {"hour": 8, "minute": 27}
